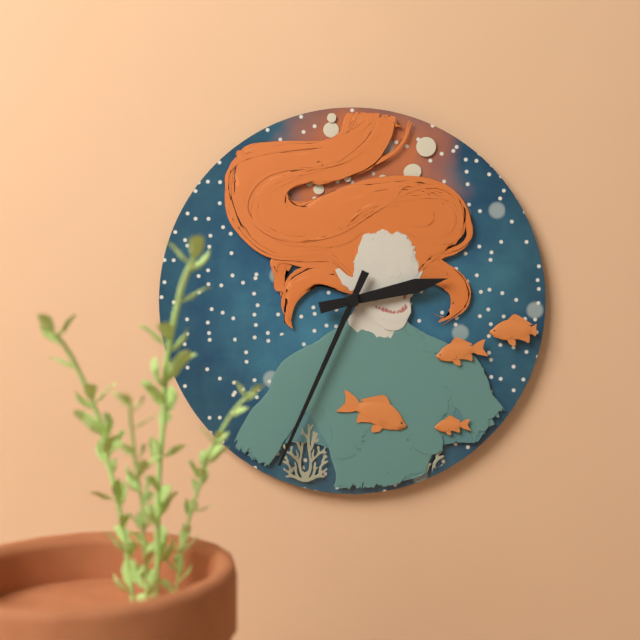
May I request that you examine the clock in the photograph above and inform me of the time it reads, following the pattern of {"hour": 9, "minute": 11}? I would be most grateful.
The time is {"hour": 2, "minute": 34}
